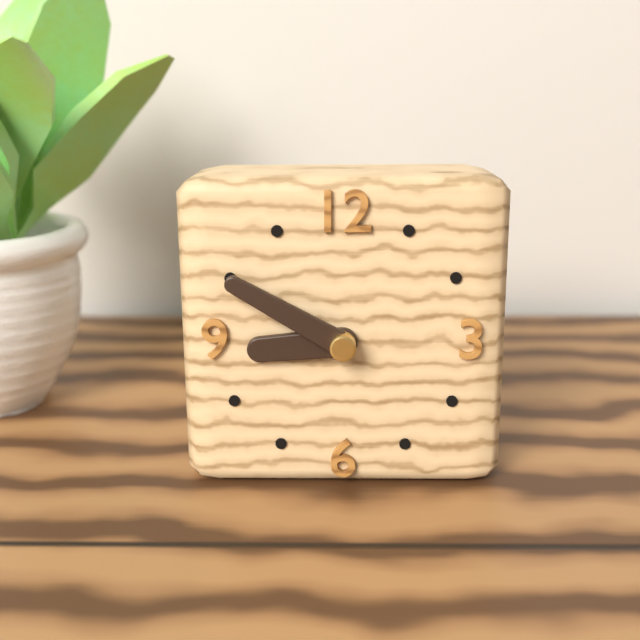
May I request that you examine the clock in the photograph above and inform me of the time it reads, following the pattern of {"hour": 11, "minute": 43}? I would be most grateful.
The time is {"hour": 8, "minute": 50}
